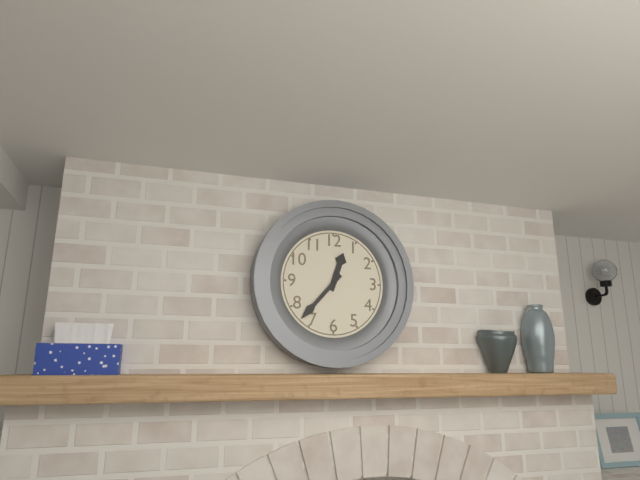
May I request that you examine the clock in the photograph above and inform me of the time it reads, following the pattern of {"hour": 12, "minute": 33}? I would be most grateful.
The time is {"hour": 12, "minute": 37}
